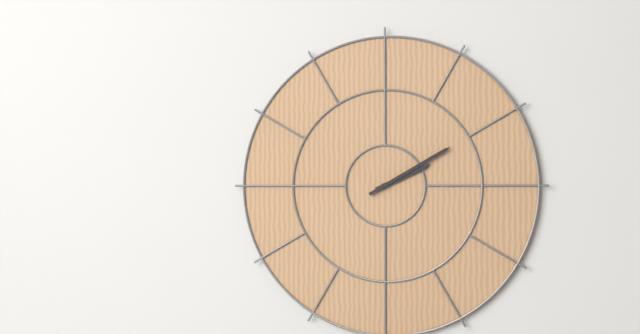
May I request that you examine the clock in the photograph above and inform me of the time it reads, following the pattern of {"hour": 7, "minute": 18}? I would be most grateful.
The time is {"hour": 2, "minute": 10}
